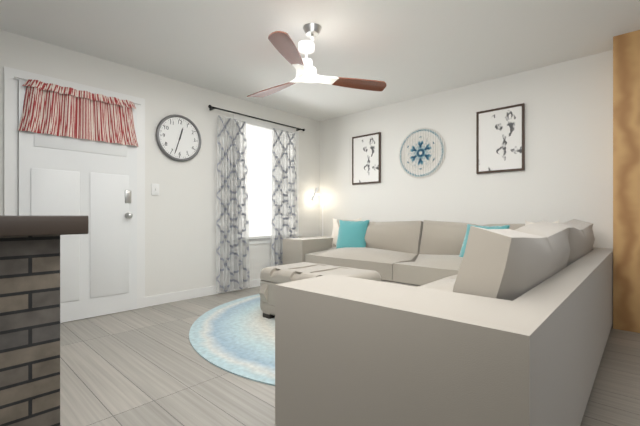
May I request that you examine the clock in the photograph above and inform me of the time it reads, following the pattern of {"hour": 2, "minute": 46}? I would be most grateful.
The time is {"hour": 12, "minute": 33}
